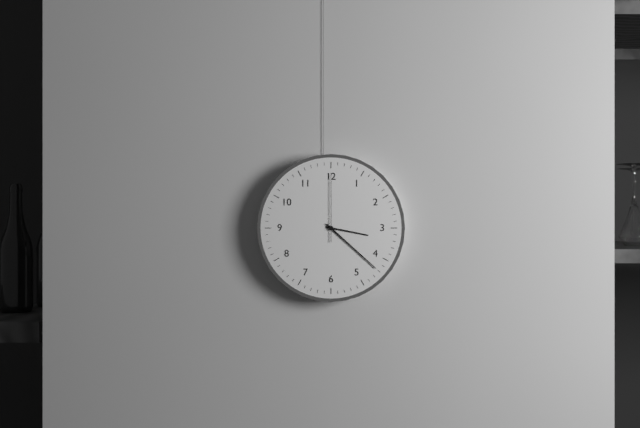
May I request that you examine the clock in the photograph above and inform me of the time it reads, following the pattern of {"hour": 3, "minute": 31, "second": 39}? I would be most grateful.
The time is {"hour": 3, "minute": 22, "second": 0}
